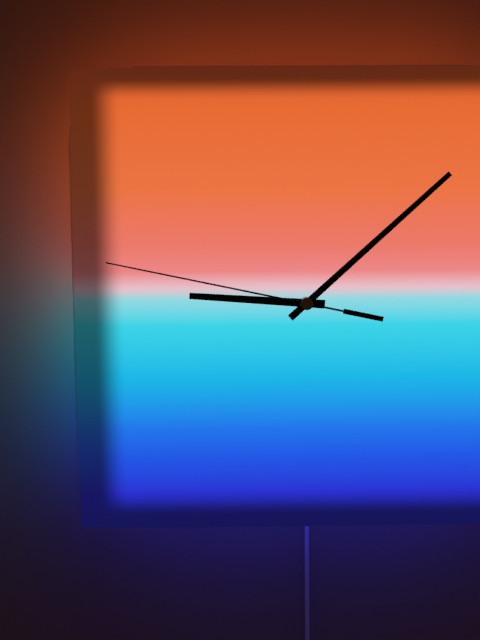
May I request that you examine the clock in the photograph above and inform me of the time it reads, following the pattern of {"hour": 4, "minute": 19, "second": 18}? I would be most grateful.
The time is {"hour": 9, "minute": 8, "second": 47}
